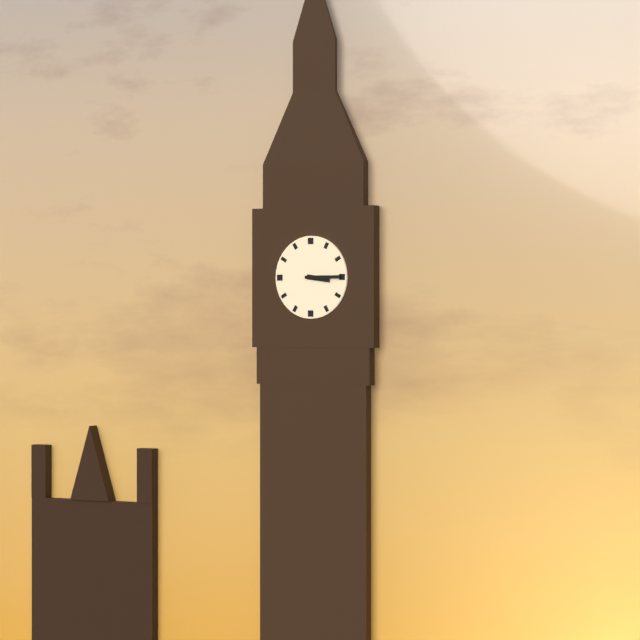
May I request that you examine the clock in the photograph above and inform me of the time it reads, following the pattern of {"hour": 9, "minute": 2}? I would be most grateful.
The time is {"hour": 3, "minute": 15}
